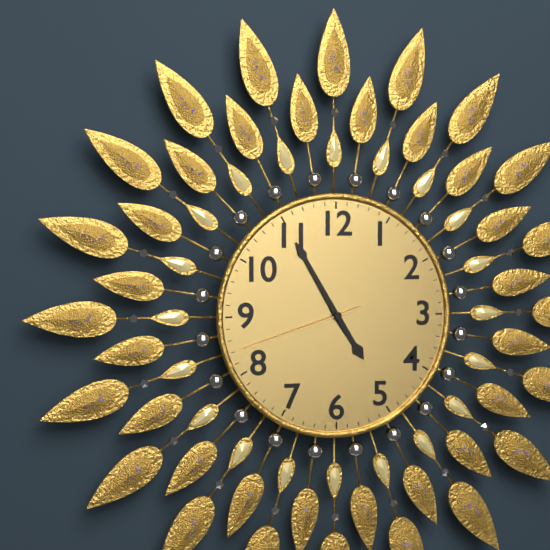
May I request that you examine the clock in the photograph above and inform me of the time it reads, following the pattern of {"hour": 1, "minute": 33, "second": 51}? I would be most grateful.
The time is {"hour": 4, "minute": 55, "second": 42}
